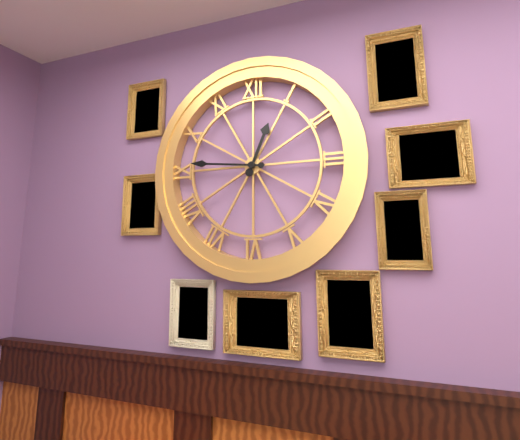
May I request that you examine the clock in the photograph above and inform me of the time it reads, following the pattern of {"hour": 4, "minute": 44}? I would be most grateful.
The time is {"hour": 12, "minute": 46}
